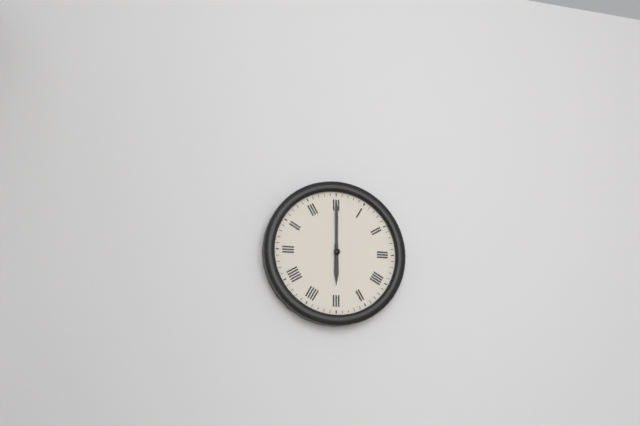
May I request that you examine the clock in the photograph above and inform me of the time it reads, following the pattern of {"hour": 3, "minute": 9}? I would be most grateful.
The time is {"hour": 6, "minute": 0}
